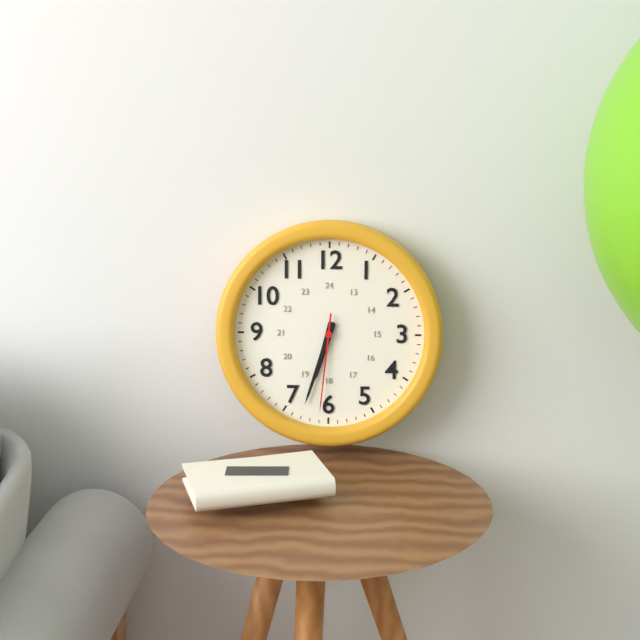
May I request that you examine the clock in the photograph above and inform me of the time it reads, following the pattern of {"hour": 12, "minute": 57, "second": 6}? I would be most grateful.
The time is {"hour": 6, "minute": 33, "second": 31}
